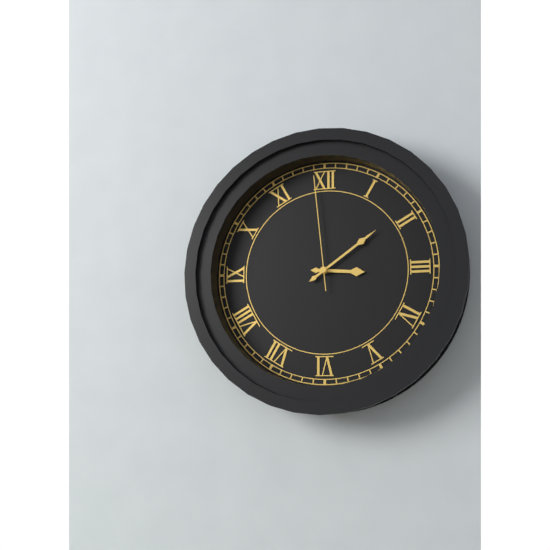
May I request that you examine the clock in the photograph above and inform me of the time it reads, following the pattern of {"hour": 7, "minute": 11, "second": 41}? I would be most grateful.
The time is {"hour": 3, "minute": 9, "second": 59}
